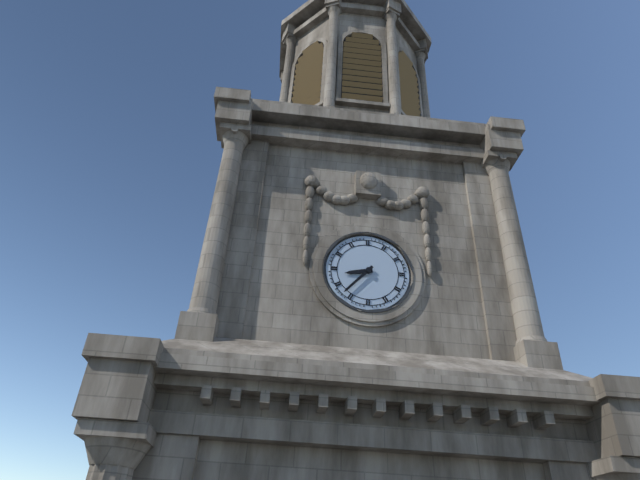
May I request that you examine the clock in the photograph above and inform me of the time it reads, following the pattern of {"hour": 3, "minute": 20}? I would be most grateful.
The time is {"hour": 8, "minute": 37}
